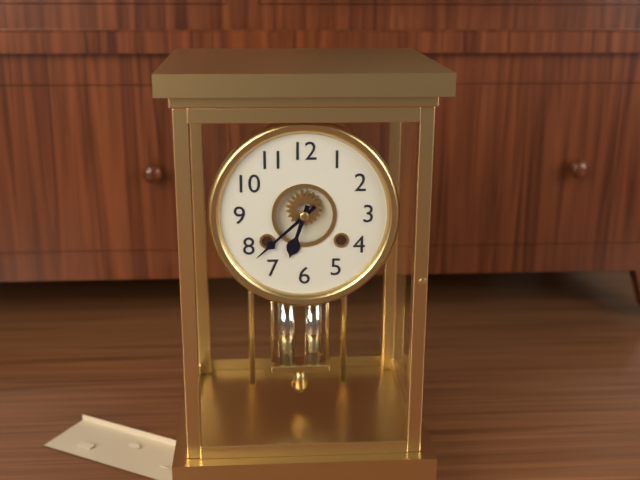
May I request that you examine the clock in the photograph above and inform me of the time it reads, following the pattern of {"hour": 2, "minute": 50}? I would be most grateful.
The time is {"hour": 6, "minute": 38}
